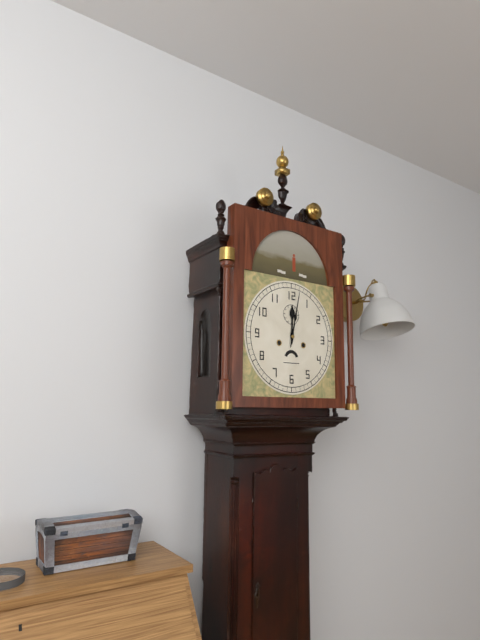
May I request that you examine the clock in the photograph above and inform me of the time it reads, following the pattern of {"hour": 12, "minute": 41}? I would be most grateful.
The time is {"hour": 12, "minute": 2}
